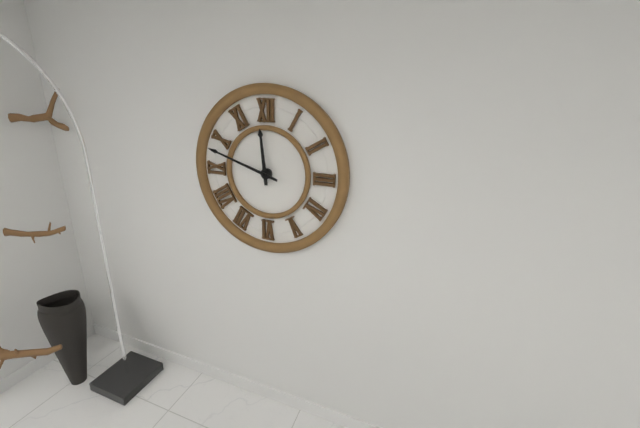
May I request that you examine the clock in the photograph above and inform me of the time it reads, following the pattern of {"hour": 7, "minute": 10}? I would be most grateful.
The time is {"hour": 11, "minute": 48}
